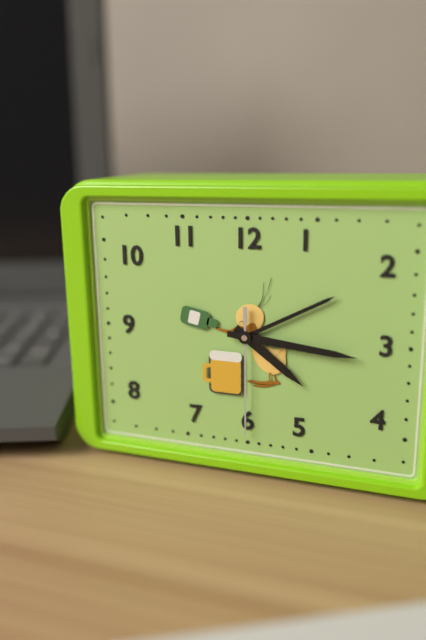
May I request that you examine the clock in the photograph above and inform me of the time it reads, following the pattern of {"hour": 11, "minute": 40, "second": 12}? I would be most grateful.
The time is {"hour": 4, "minute": 16, "second": 30}
